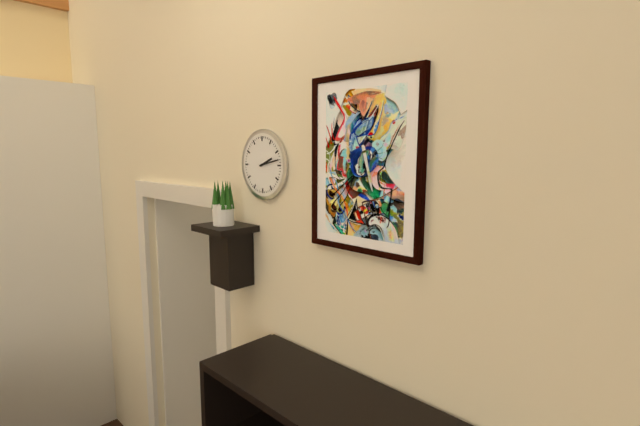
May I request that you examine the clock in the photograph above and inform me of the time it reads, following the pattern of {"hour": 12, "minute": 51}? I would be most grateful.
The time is {"hour": 2, "minute": 13}
